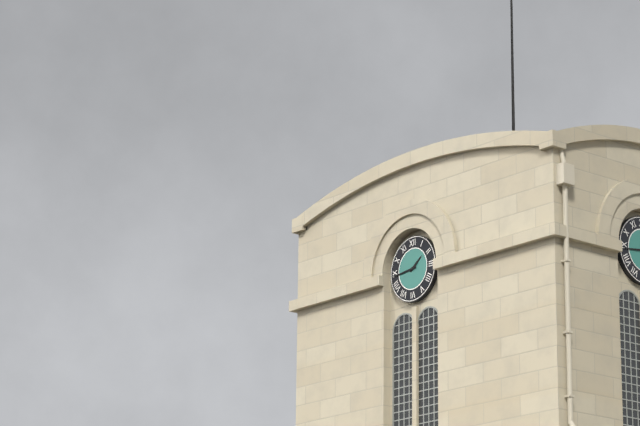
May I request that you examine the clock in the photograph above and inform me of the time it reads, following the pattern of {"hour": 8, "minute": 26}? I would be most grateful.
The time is {"hour": 1, "minute": 44}
